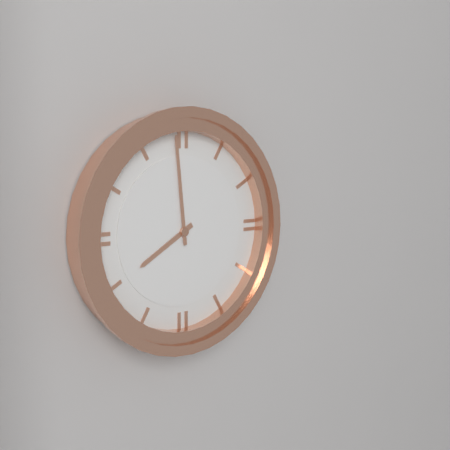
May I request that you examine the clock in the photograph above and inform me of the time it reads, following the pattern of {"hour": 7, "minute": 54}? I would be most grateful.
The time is {"hour": 7, "minute": 59}
